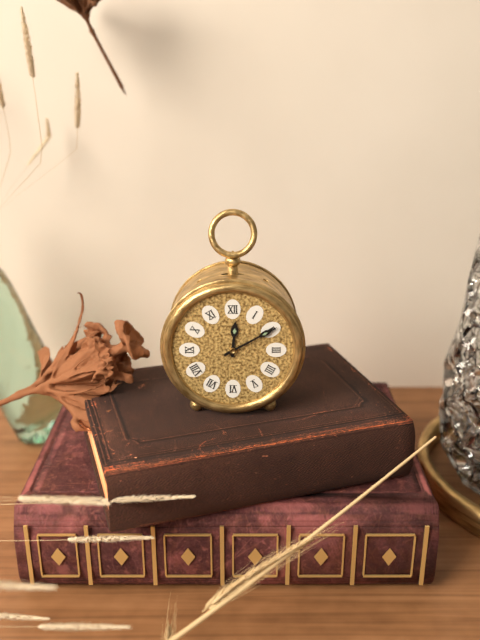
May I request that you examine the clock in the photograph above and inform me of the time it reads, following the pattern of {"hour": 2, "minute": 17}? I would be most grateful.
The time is {"hour": 12, "minute": 10}
